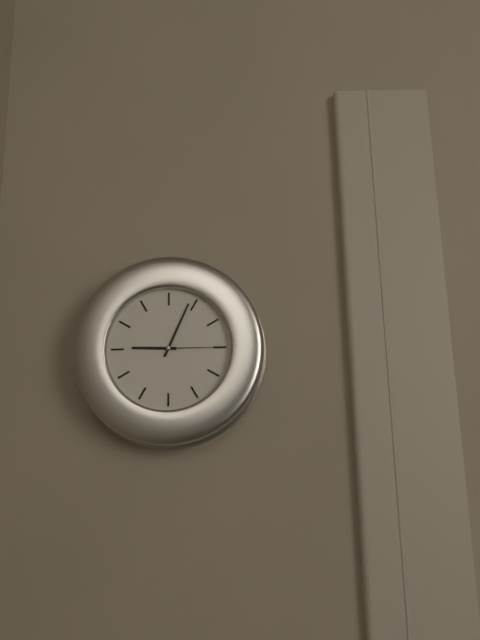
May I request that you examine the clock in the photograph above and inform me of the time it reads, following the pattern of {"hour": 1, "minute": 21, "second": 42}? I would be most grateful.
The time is {"hour": 9, "minute": 4, "second": 15}
